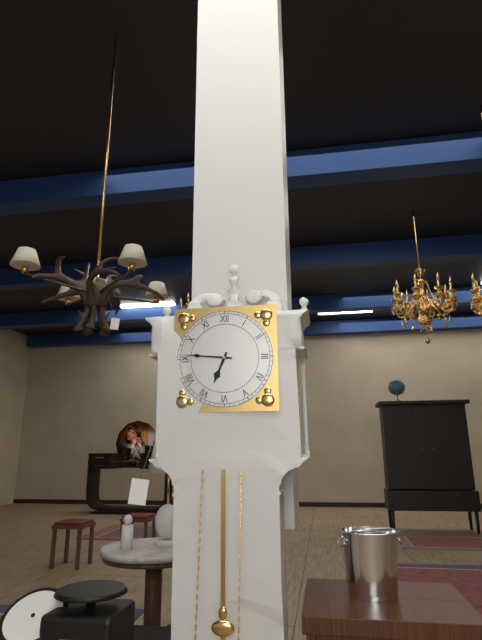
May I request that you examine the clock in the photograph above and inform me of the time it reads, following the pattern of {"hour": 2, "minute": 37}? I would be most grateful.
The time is {"hour": 6, "minute": 46}
